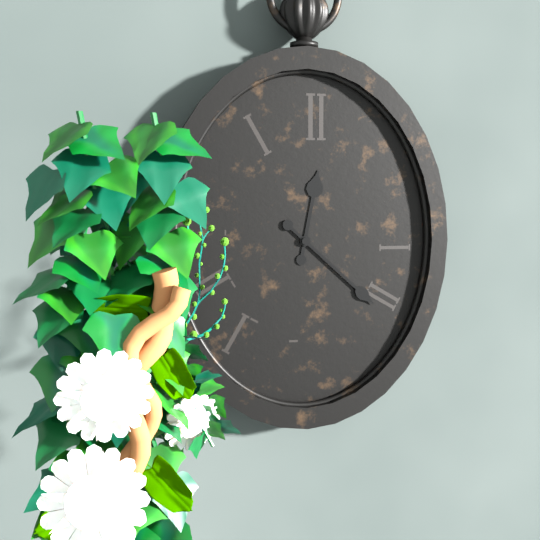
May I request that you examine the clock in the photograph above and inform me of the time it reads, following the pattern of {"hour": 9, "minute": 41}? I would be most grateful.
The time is {"hour": 12, "minute": 22}
